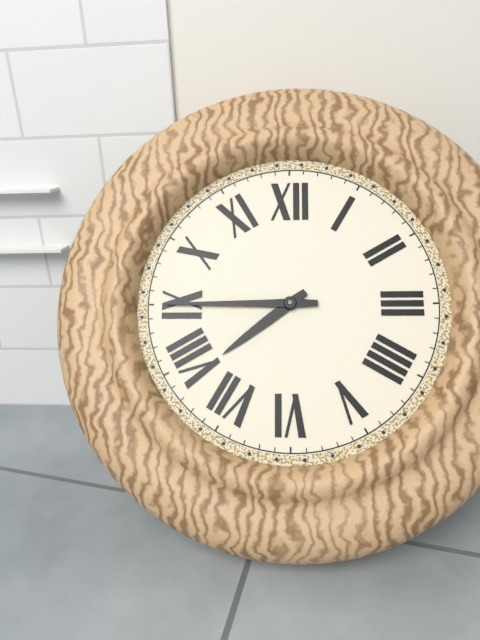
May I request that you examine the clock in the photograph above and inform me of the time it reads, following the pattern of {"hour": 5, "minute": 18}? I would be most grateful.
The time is {"hour": 7, "minute": 45}
